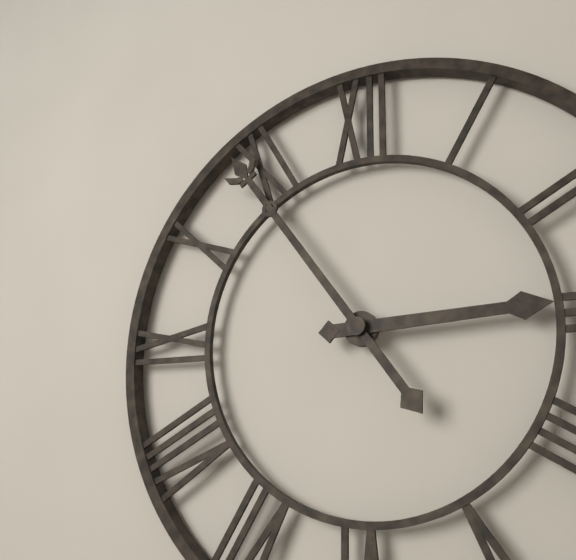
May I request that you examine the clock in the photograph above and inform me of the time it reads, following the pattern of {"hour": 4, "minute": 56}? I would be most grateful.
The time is {"hour": 2, "minute": 54}
